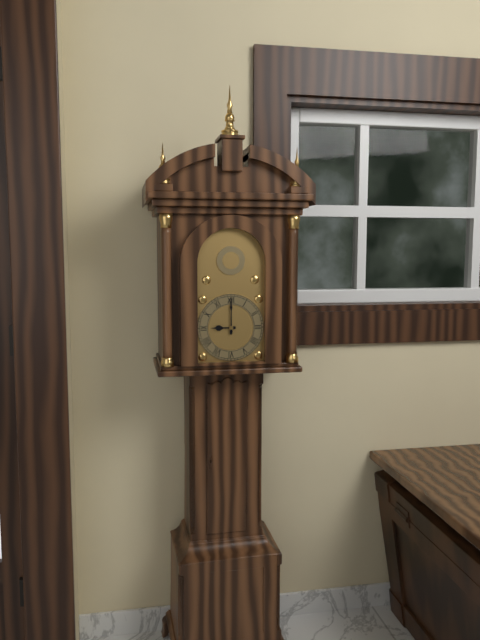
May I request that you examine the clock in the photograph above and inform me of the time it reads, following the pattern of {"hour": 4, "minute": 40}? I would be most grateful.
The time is {"hour": 9, "minute": 0}
